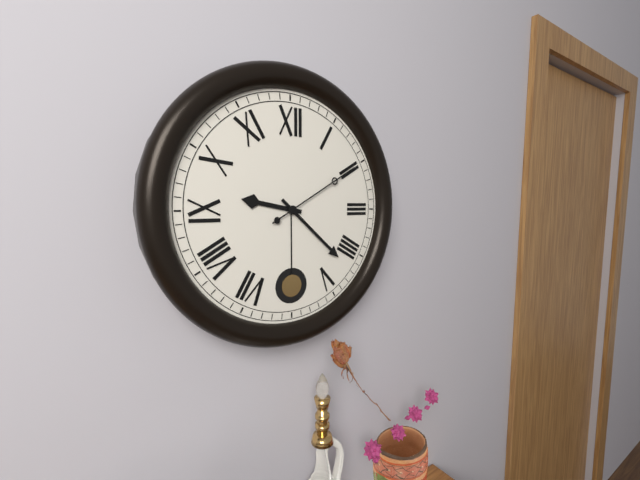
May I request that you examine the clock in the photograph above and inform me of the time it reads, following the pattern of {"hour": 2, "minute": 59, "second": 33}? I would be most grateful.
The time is {"hour": 9, "minute": 22, "second": 10}
